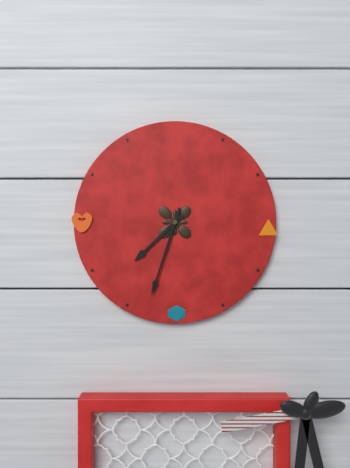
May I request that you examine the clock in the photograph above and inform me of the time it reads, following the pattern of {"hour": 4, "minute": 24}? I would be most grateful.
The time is {"hour": 7, "minute": 33}
